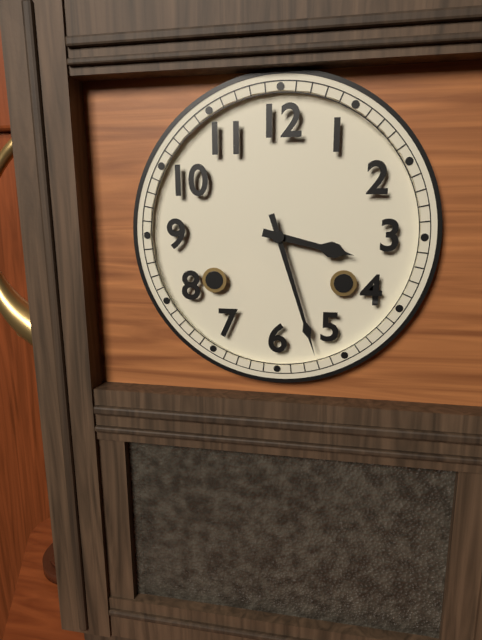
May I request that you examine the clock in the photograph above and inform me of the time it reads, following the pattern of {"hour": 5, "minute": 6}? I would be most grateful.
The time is {"hour": 3, "minute": 27}
